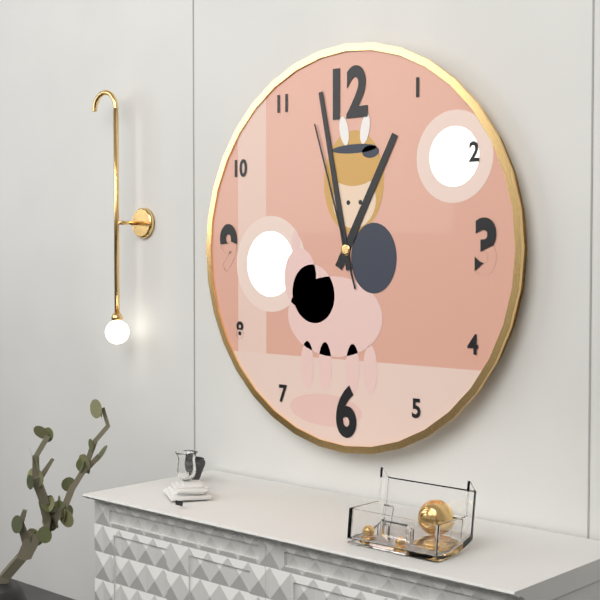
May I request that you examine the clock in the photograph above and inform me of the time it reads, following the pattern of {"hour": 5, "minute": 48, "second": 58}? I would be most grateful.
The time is {"hour": 12, "minute": 58, "second": 57}
